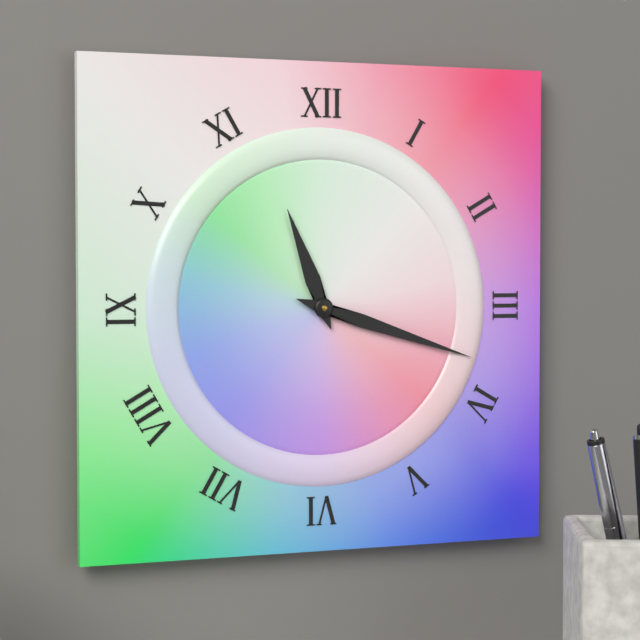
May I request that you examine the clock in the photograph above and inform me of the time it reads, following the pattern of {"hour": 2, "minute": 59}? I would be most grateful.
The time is {"hour": 11, "minute": 18}
